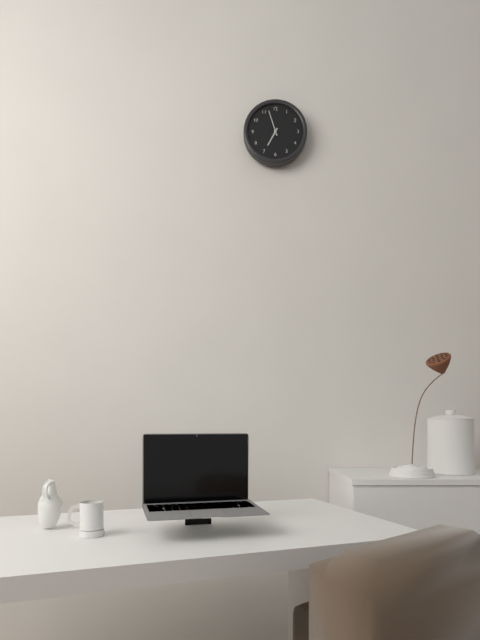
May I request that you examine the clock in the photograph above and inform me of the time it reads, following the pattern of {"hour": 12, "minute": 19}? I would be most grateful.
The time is {"hour": 6, "minute": 57}
